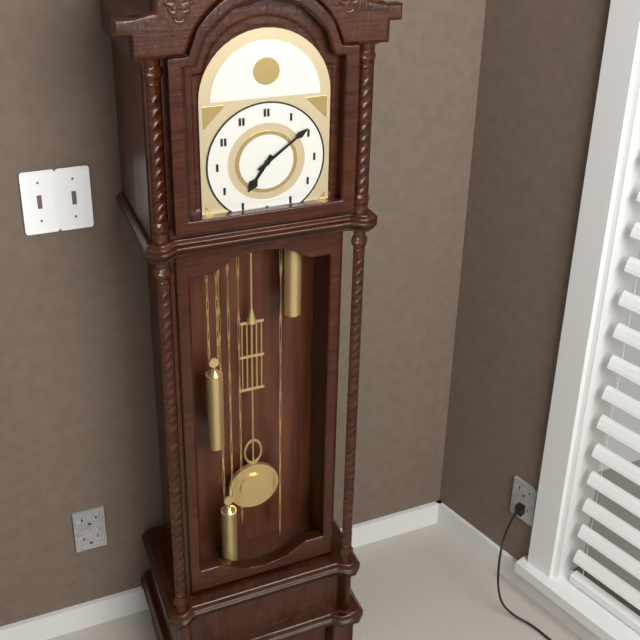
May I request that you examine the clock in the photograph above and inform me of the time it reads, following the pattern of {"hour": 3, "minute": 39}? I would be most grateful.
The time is {"hour": 7, "minute": 9}
